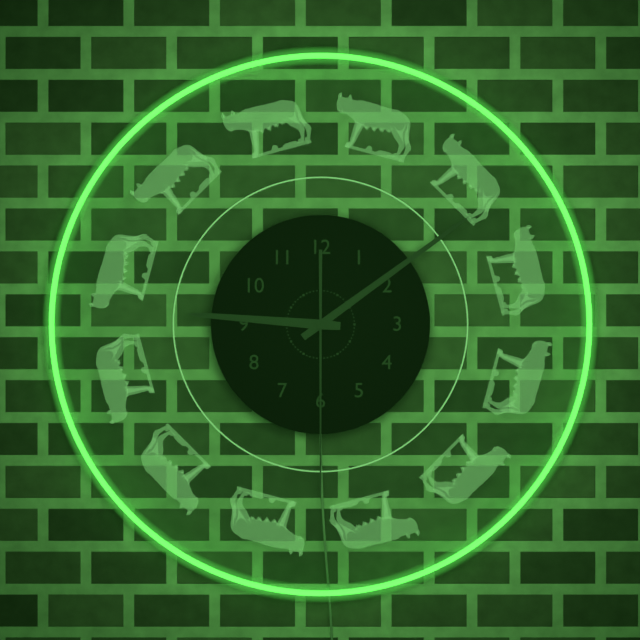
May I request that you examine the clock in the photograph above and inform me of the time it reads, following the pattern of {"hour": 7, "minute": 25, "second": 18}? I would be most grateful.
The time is {"hour": 9, "minute": 9, "second": 30}
